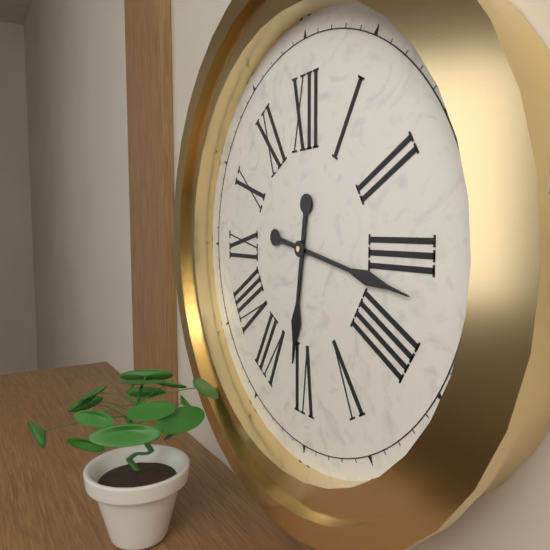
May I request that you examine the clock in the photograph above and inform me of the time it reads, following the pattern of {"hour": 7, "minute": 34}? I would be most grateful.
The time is {"hour": 6, "minute": 17}
